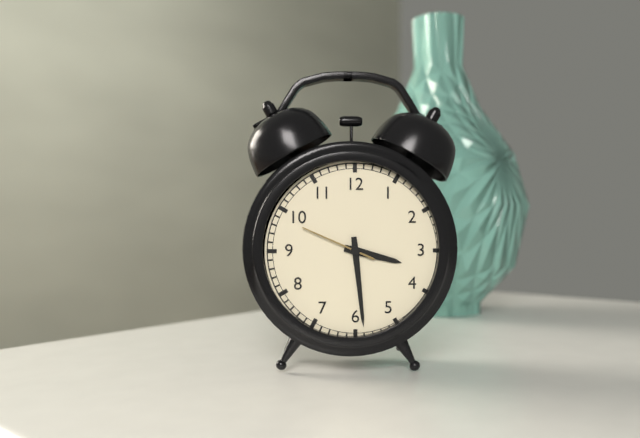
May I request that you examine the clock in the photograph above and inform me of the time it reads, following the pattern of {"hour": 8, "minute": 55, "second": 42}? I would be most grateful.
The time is {"hour": 3, "minute": 29, "second": 49}
